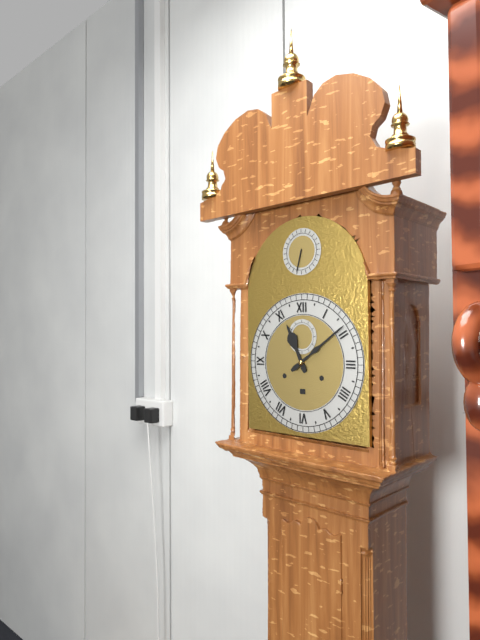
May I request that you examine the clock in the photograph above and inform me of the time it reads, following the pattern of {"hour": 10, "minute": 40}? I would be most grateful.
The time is {"hour": 11, "minute": 9}
